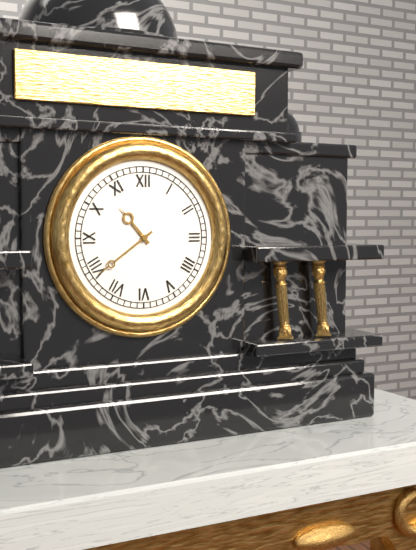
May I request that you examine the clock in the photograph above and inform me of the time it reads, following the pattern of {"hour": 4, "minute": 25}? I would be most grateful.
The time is {"hour": 10, "minute": 39}
